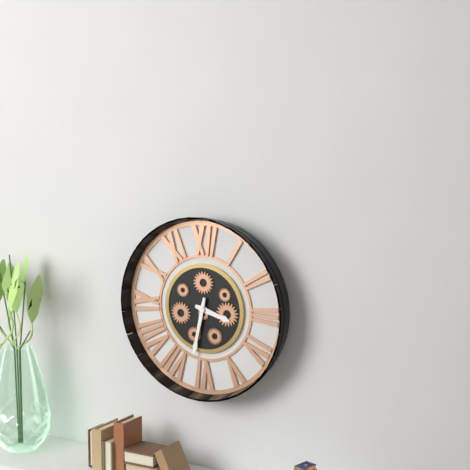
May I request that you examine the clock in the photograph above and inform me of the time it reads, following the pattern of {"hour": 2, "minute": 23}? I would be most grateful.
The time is {"hour": 3, "minute": 32}
